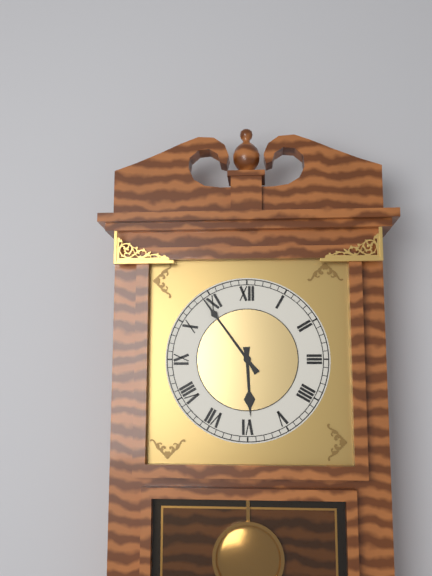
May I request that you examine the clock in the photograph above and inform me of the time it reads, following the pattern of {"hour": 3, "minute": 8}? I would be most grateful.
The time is {"hour": 5, "minute": 54}
